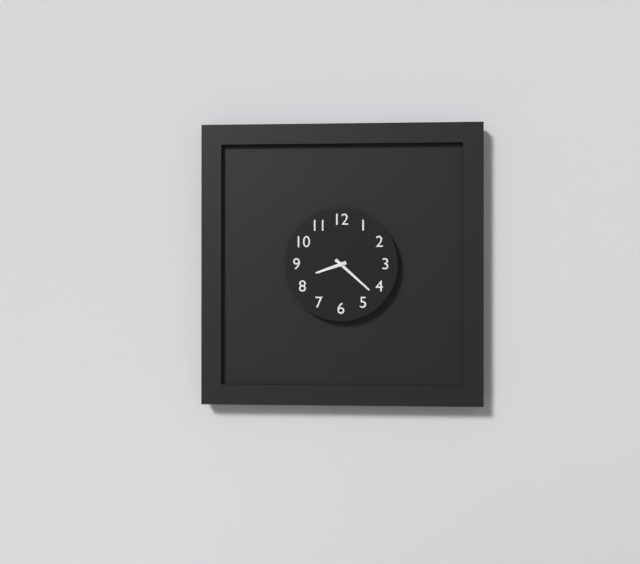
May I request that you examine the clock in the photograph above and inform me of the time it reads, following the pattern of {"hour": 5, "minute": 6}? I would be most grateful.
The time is {"hour": 8, "minute": 22}
